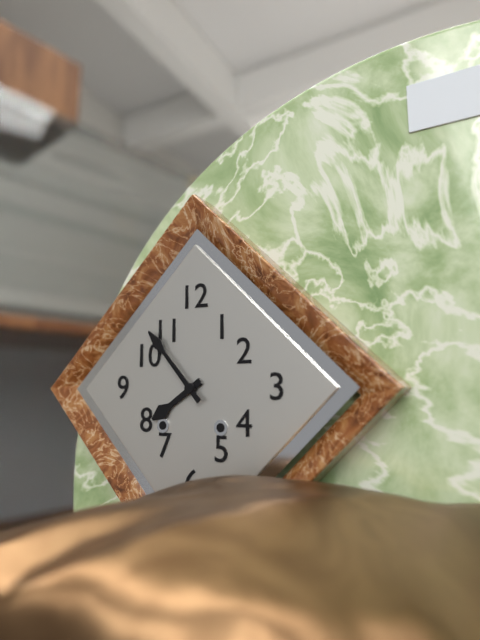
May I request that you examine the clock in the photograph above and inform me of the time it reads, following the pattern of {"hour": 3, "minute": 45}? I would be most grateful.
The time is {"hour": 7, "minute": 53}
